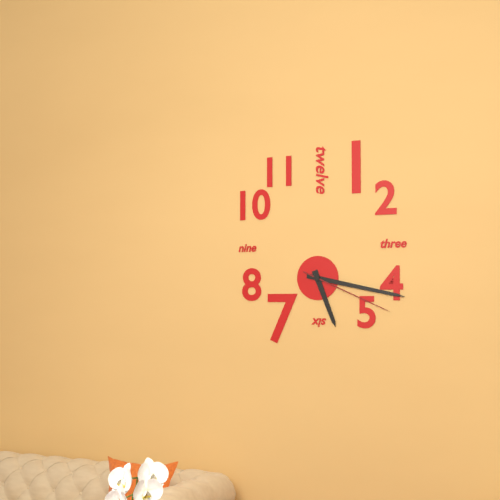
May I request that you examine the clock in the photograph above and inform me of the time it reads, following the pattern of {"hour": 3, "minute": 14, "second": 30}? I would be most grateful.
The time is {"hour": 5, "minute": 17, "second": 19}
